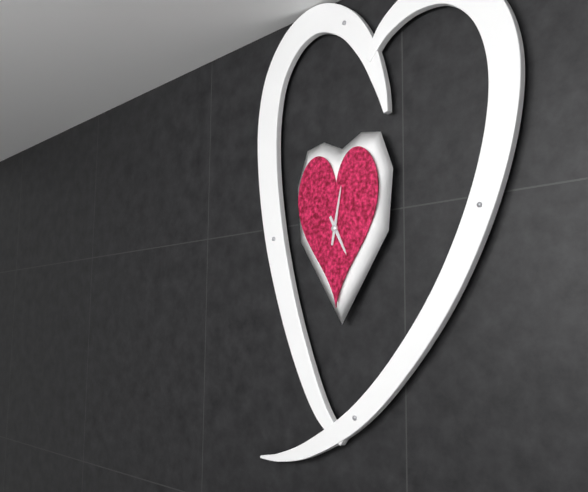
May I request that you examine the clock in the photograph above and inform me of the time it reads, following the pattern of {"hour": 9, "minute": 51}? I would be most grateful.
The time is {"hour": 5, "minute": 2}
